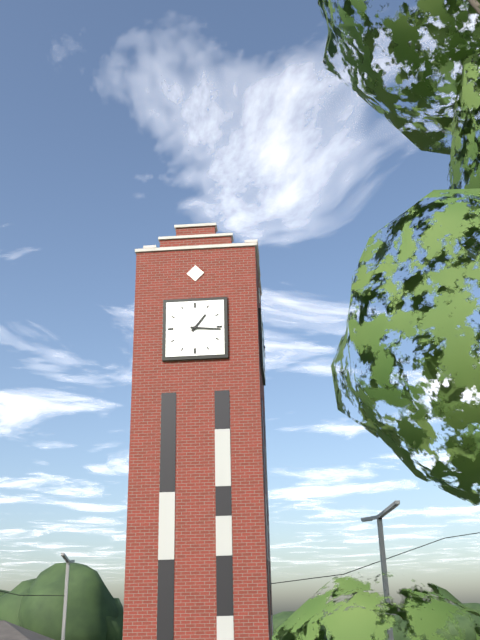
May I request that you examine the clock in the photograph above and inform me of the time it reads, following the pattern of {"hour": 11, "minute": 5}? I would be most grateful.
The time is {"hour": 1, "minute": 16}
